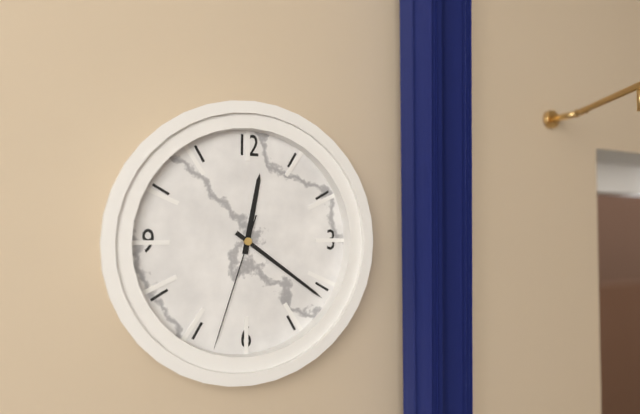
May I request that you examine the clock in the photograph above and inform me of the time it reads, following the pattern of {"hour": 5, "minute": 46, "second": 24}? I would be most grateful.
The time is {"hour": 12, "minute": 21, "second": 33}
